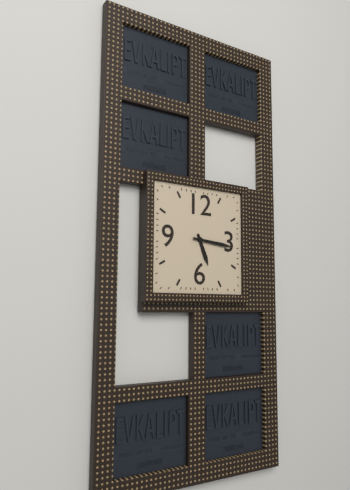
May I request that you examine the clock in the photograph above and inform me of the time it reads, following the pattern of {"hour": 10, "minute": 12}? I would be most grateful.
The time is {"hour": 5, "minute": 16}
